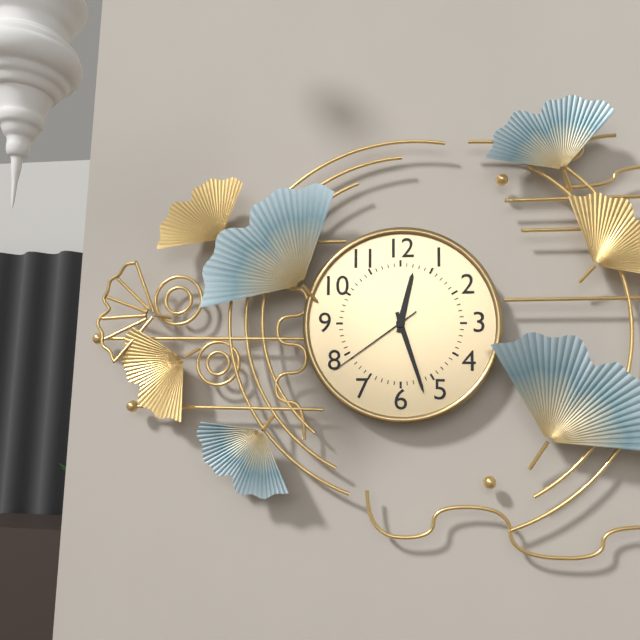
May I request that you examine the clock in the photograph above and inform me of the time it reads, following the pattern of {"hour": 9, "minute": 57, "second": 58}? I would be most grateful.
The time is {"hour": 12, "minute": 27, "second": 39}
